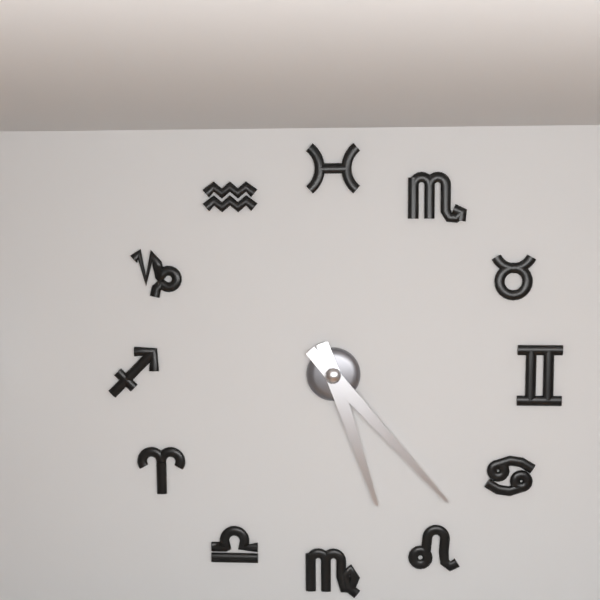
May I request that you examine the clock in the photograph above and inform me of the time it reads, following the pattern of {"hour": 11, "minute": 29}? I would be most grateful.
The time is {"hour": 5, "minute": 23}
